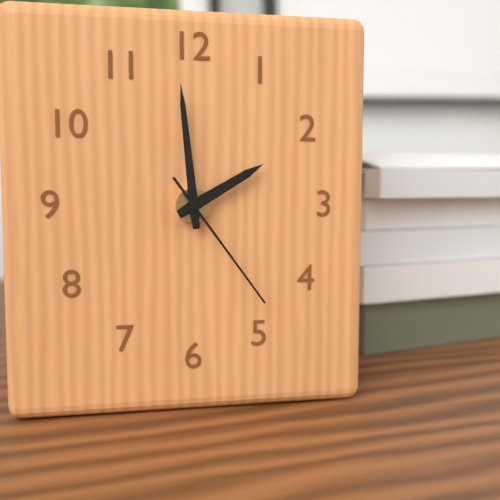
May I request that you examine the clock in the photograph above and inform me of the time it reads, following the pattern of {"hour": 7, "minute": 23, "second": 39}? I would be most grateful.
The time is {"hour": 1, "minute": 59, "second": 24}
